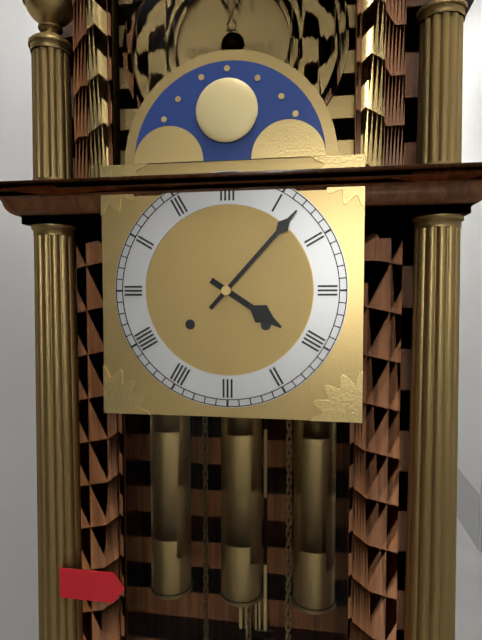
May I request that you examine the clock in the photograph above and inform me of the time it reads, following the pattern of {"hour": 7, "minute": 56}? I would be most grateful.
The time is {"hour": 4, "minute": 7}
